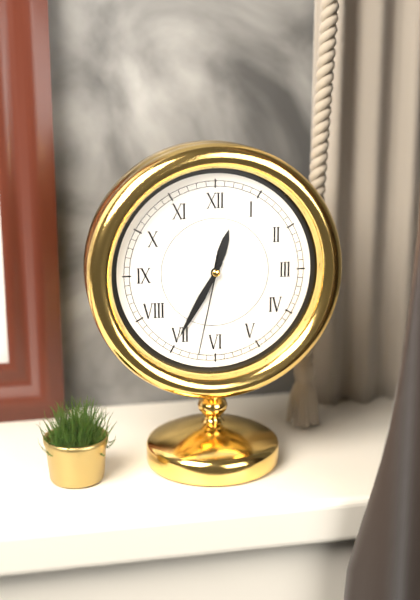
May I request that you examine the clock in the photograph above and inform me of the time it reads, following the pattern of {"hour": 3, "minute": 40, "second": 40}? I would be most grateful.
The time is {"hour": 12, "minute": 35, "second": 32}
